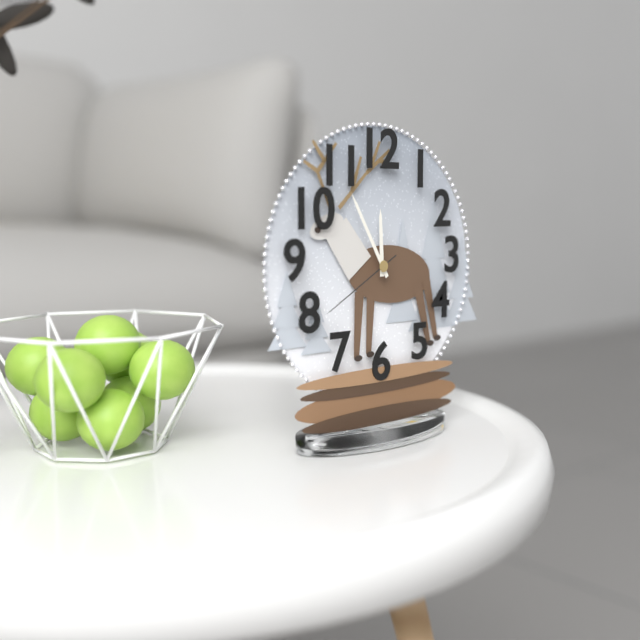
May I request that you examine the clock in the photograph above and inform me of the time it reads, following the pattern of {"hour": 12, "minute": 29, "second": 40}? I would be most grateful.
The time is {"hour": 11, "minute": 55, "second": 40}
